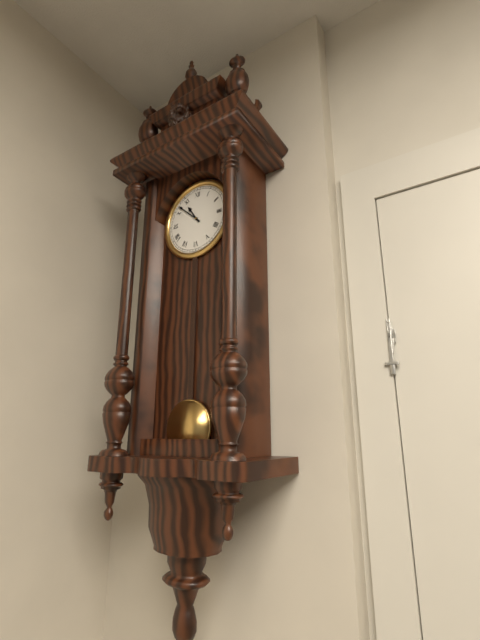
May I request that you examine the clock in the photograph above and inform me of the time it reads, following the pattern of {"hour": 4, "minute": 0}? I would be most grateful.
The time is {"hour": 10, "minute": 52}
